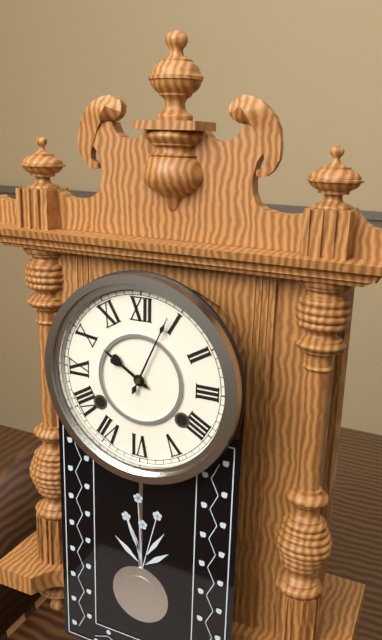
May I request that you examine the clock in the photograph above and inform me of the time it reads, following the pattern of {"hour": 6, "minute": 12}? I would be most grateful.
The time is {"hour": 10, "minute": 4}
